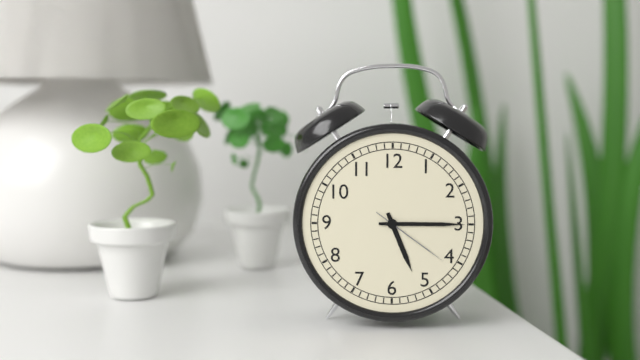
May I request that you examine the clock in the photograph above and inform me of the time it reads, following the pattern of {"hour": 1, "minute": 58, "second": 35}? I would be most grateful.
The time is {"hour": 5, "minute": 15, "second": 21}
